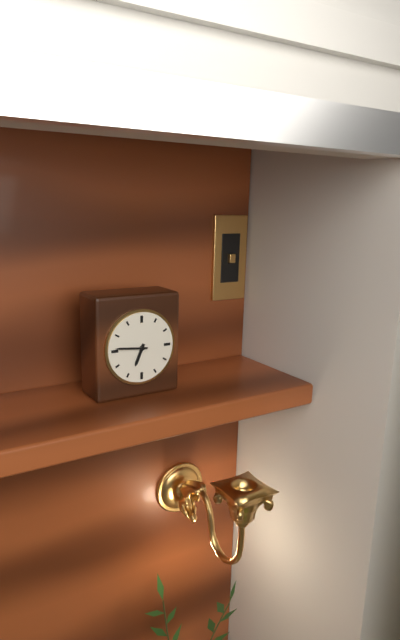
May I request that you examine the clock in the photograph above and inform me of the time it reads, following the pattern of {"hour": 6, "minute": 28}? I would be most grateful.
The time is {"hour": 6, "minute": 46}
